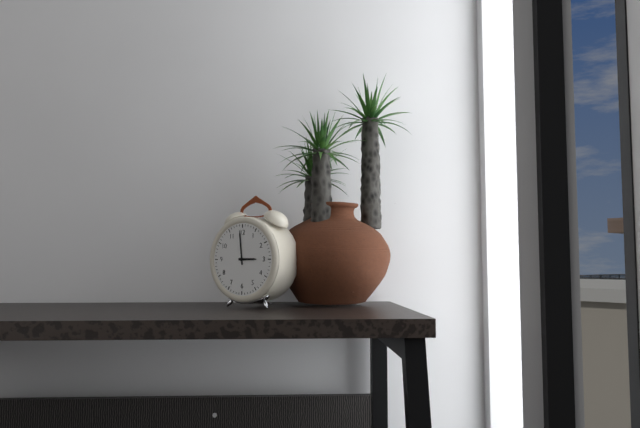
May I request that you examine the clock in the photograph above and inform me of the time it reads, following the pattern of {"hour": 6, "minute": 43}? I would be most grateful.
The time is {"hour": 2, "minute": 59}
